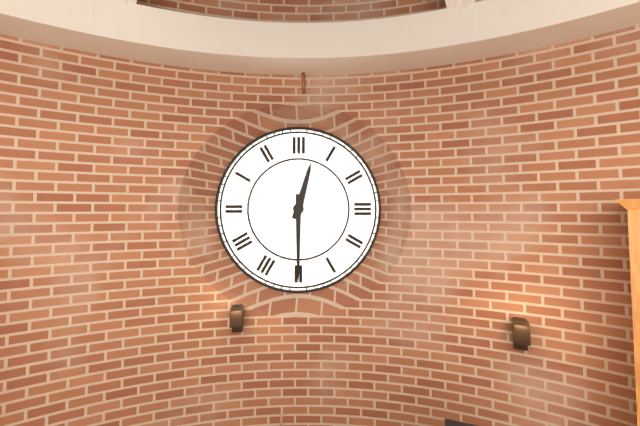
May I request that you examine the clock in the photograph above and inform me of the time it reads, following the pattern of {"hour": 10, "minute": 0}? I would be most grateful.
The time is {"hour": 12, "minute": 30}
